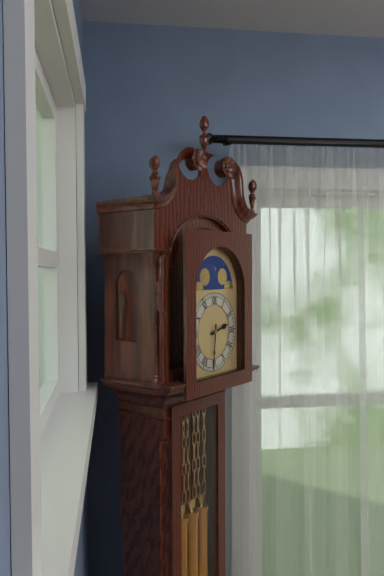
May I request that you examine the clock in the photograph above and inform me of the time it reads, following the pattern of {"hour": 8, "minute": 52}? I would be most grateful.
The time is {"hour": 2, "minute": 31}
